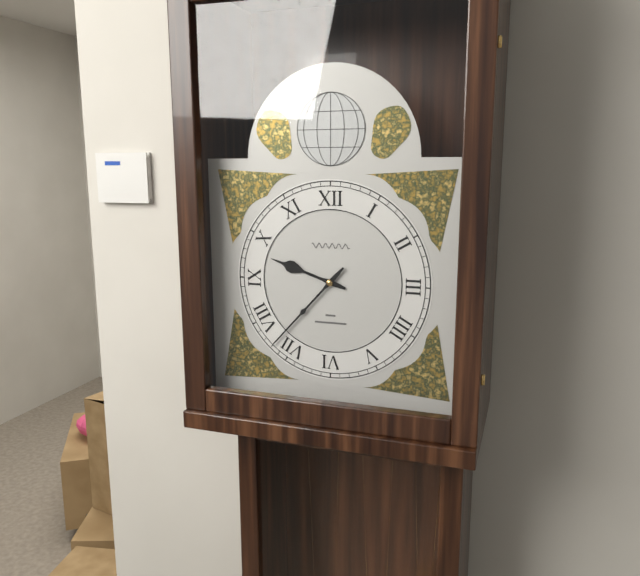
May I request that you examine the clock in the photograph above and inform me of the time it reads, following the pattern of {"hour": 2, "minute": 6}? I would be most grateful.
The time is {"hour": 9, "minute": 37}
